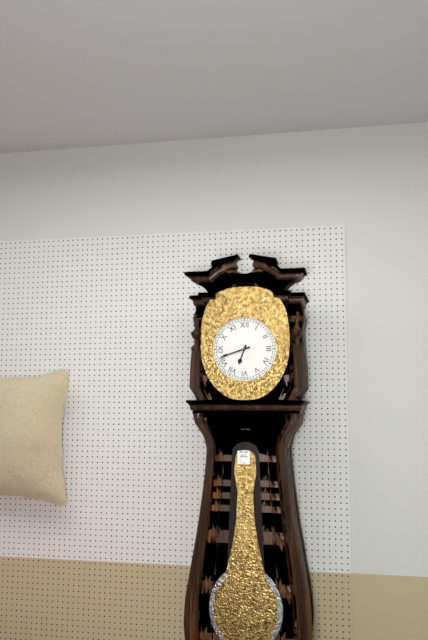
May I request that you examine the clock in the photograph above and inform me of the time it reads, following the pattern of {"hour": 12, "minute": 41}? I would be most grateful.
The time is {"hour": 6, "minute": 42}
